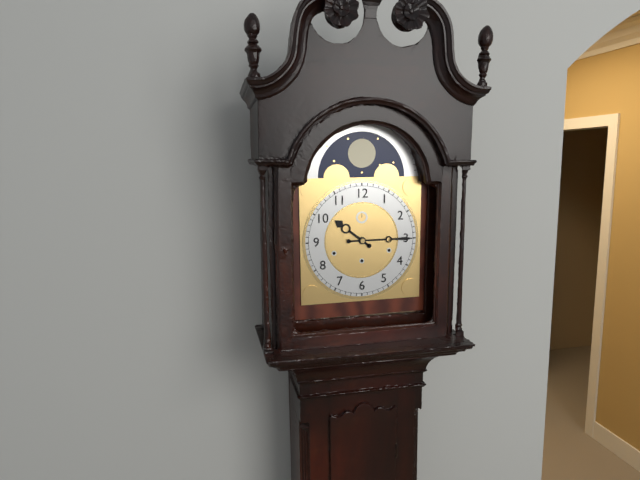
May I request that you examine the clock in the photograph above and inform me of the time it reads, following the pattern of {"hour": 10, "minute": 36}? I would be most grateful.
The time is {"hour": 10, "minute": 15}
